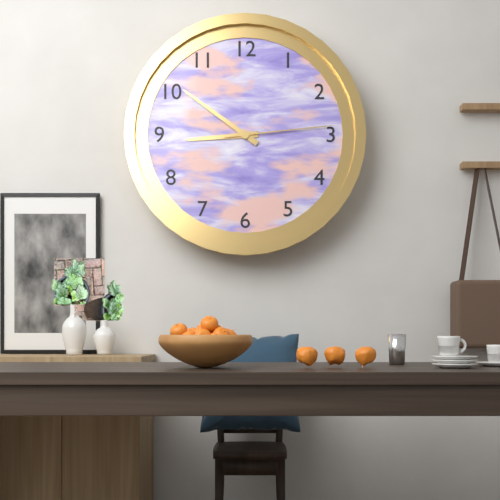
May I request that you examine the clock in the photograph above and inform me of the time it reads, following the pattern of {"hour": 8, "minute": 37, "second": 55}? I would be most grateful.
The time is {"hour": 8, "minute": 51, "second": 14}
